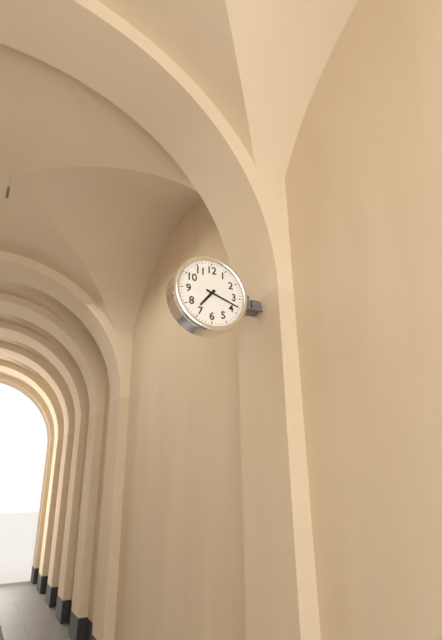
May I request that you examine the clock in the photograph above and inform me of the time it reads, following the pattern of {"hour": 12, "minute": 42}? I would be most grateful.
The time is {"hour": 7, "minute": 18}
